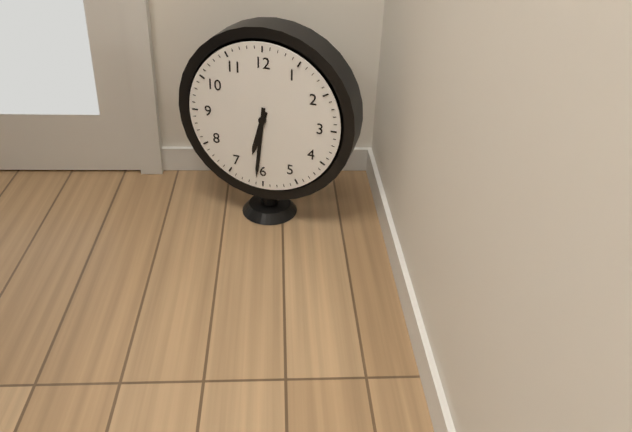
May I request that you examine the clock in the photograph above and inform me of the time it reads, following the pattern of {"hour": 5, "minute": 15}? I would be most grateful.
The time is {"hour": 6, "minute": 31}
